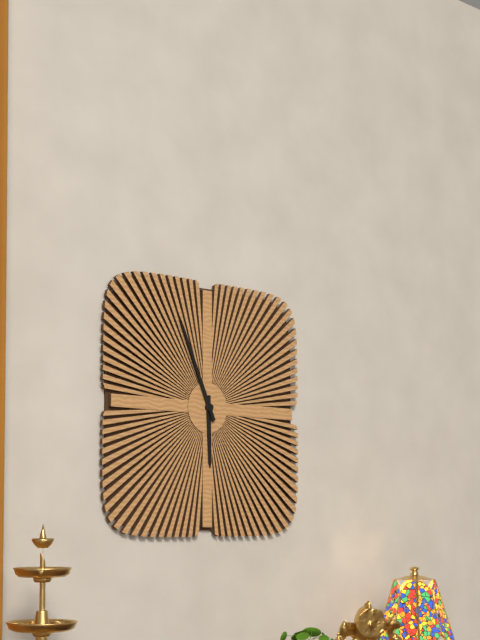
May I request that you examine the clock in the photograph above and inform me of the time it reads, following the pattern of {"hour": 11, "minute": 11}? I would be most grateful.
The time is {"hour": 5, "minute": 56}
